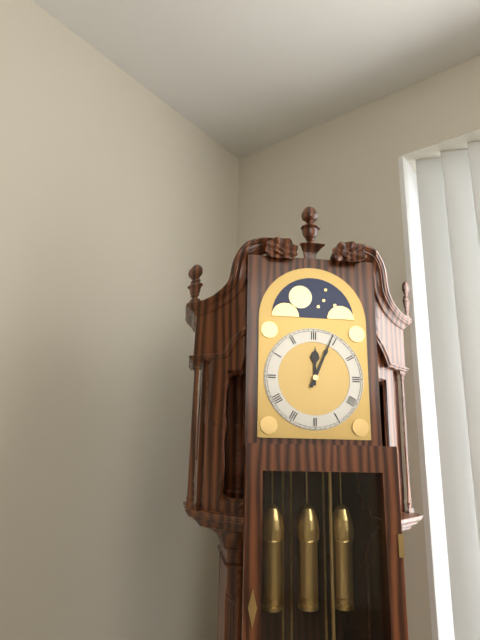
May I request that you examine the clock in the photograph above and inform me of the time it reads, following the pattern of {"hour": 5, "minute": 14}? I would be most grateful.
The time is {"hour": 12, "minute": 4}
